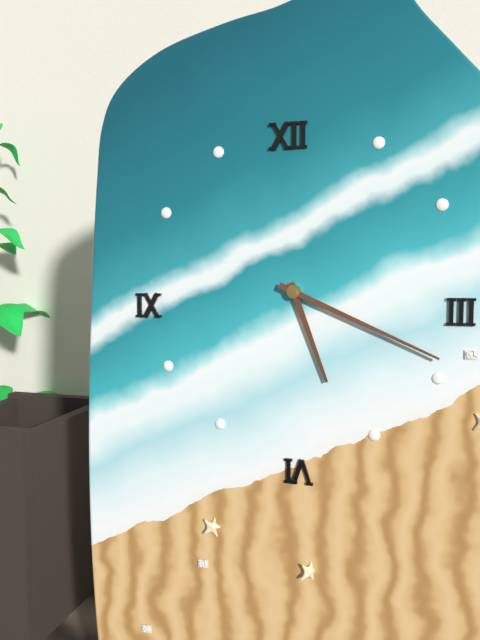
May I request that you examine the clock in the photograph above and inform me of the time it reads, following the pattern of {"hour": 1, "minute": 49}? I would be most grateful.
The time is {"hour": 5, "minute": 19}
